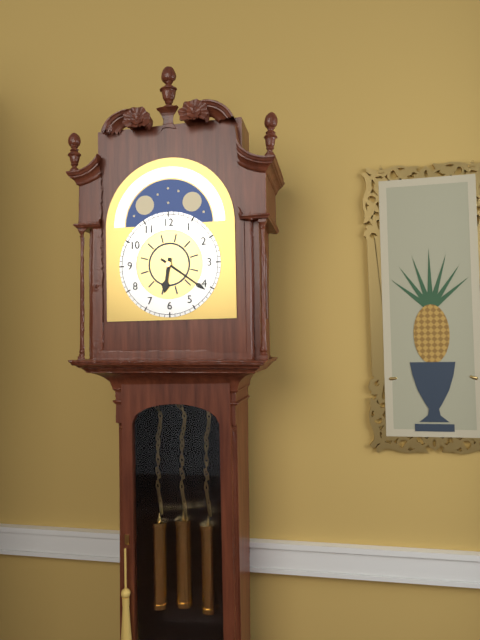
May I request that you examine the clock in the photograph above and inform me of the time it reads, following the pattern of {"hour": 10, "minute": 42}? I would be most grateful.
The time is {"hour": 6, "minute": 21}
